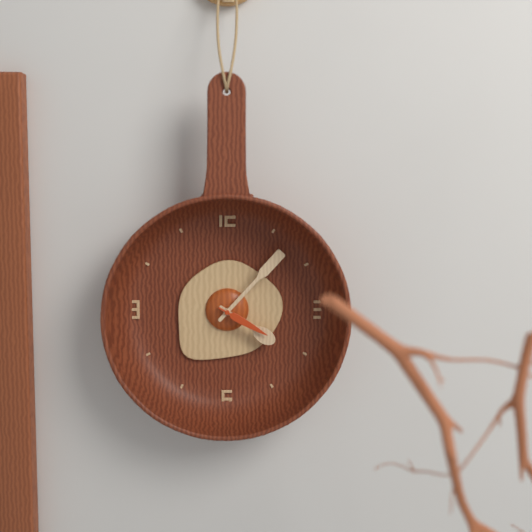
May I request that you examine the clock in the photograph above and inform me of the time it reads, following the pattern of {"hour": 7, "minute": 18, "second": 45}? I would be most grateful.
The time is {"hour": 4, "minute": 7, "second": 20}
